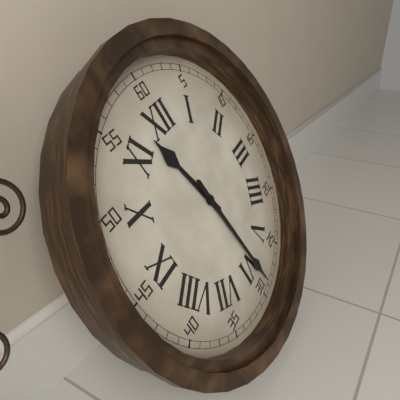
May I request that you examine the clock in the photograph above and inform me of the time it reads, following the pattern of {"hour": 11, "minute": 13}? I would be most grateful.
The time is {"hour": 11, "minute": 29}
